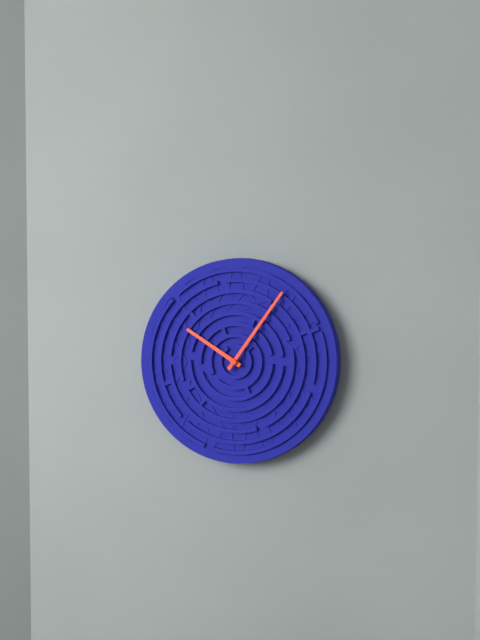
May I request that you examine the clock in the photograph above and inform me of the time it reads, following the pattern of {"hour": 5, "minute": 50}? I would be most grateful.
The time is {"hour": 10, "minute": 6}
